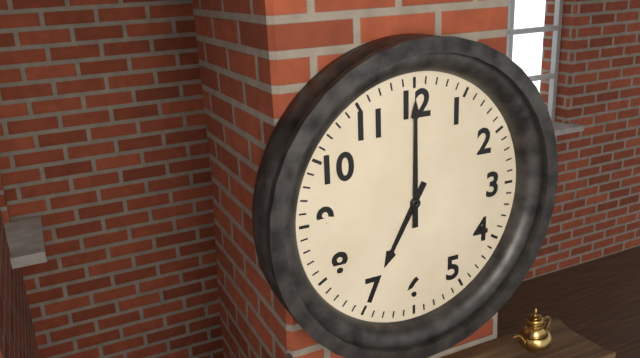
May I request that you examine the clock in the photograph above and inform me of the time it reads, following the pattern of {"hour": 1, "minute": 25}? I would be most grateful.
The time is {"hour": 7, "minute": 0}
